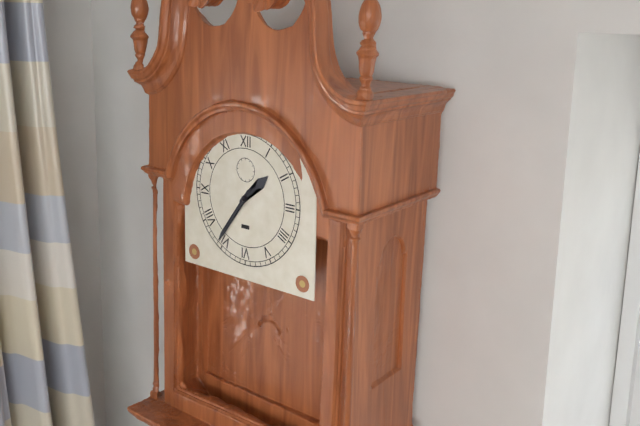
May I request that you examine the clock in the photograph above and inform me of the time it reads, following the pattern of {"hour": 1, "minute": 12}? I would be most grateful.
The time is {"hour": 1, "minute": 36}
